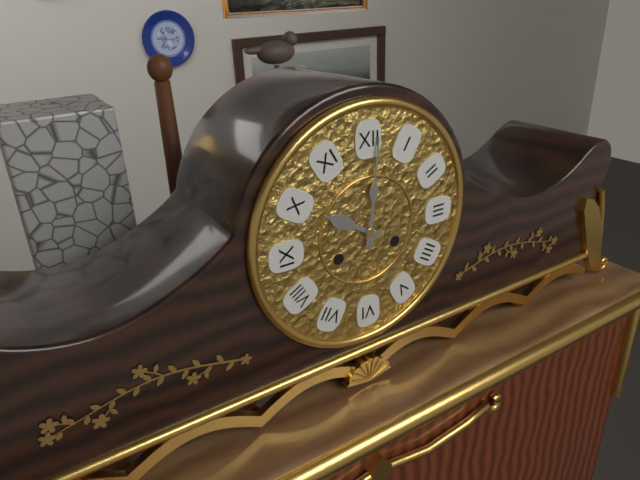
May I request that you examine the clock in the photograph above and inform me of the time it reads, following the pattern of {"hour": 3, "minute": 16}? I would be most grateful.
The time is {"hour": 10, "minute": 1}
